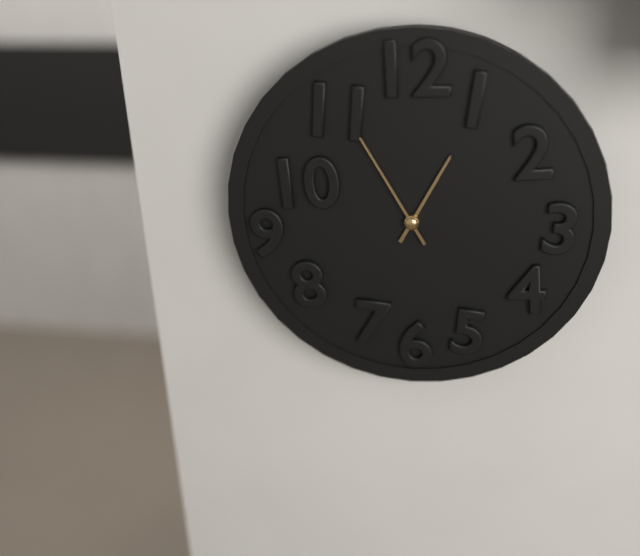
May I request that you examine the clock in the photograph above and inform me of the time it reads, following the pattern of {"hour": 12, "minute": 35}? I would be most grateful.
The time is {"hour": 12, "minute": 55}
